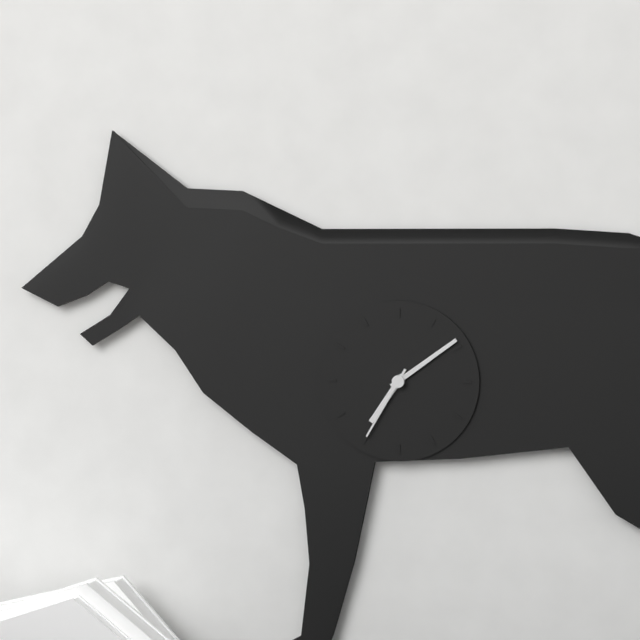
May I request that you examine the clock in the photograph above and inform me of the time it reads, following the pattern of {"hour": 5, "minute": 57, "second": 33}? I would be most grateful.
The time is {"hour": 7, "minute": 9, "second": 35}
